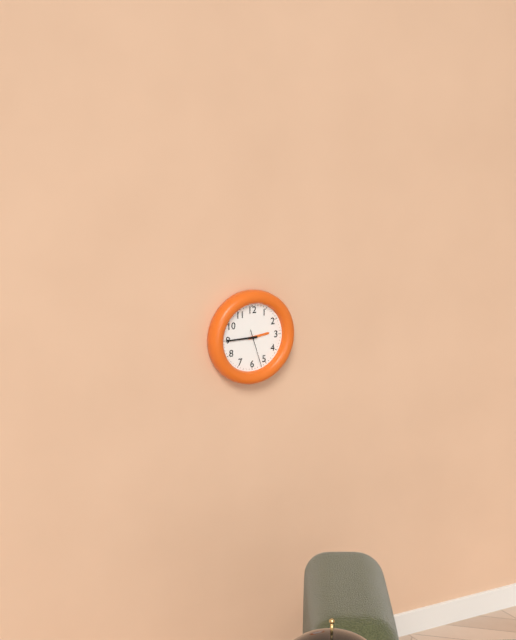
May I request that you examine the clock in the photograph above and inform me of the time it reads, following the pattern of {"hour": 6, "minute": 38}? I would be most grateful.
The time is {"hour": 2, "minute": 45}
